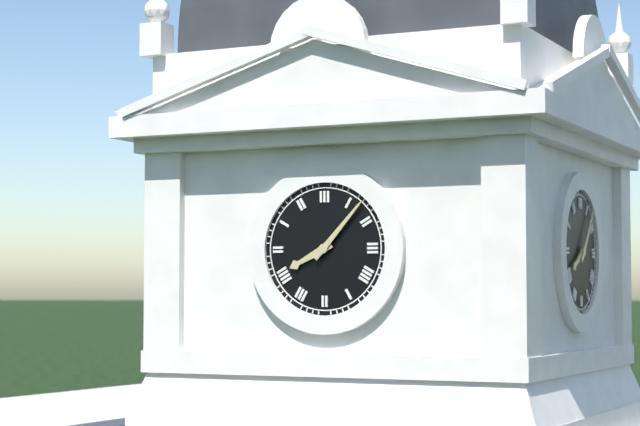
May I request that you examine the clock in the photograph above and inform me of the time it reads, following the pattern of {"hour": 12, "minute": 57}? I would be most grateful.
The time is {"hour": 8, "minute": 7}
